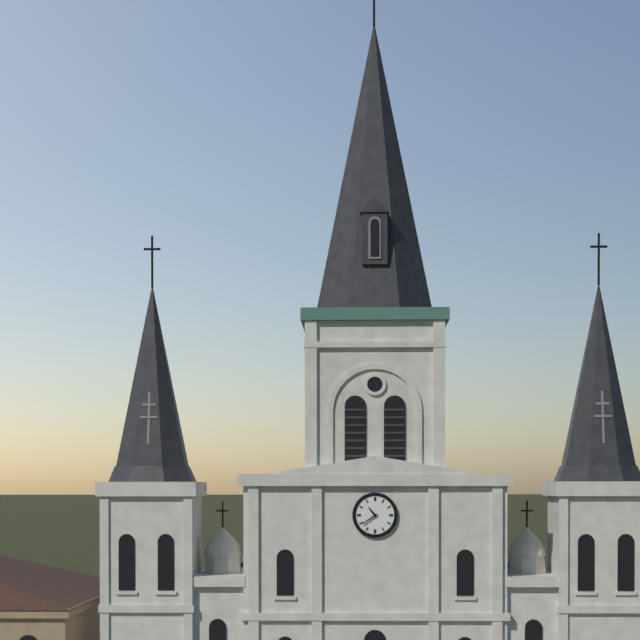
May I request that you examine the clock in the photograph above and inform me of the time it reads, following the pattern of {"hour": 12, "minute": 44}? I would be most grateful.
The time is {"hour": 10, "minute": 39}
